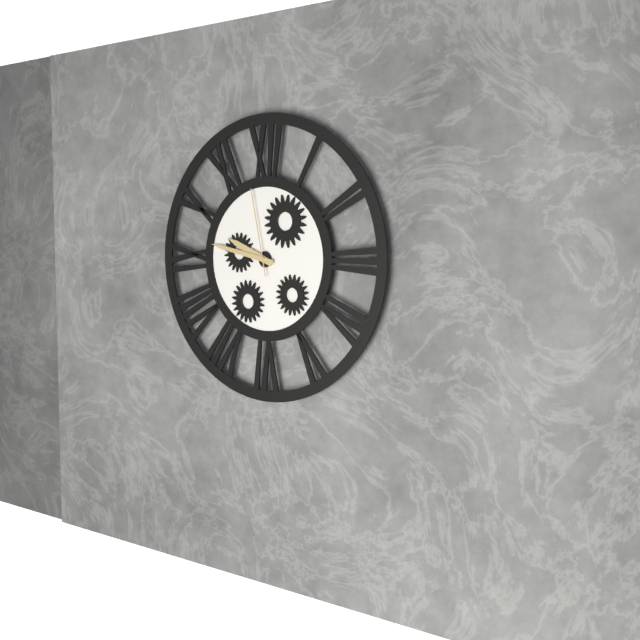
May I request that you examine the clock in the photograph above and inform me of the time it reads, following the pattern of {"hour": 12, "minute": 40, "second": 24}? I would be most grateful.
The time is {"hour": 9, "minute": 47, "second": 58}
